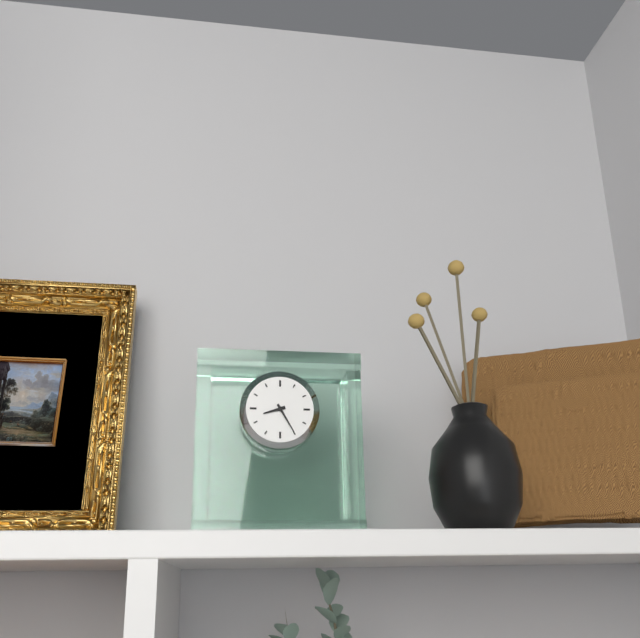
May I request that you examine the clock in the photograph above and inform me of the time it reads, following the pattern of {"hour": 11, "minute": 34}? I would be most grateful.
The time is {"hour": 8, "minute": 25}
